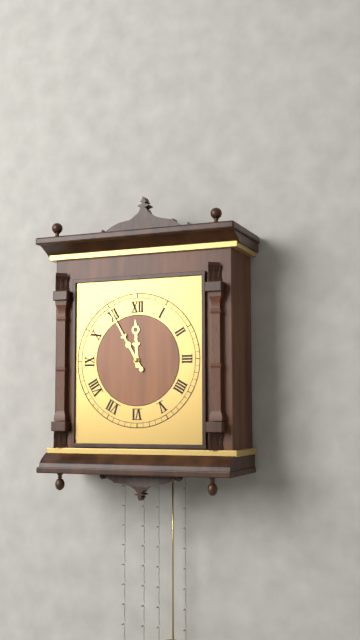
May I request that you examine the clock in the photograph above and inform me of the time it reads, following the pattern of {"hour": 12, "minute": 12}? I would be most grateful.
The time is {"hour": 11, "minute": 55}
